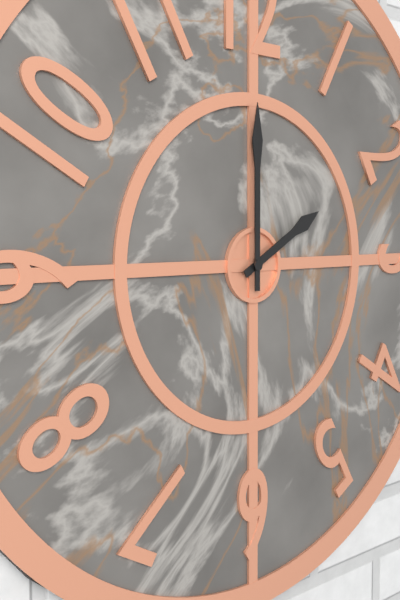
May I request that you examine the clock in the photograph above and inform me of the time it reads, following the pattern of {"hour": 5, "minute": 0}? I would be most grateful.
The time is {"hour": 2, "minute": 0}
